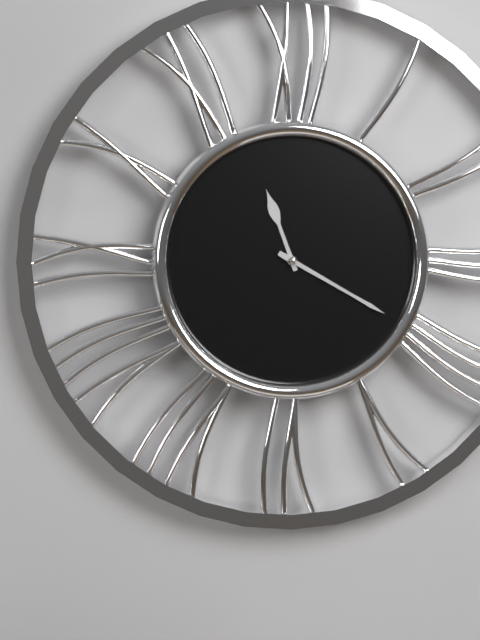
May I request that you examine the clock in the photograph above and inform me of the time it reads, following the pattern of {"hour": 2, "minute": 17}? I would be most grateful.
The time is {"hour": 11, "minute": 20}
